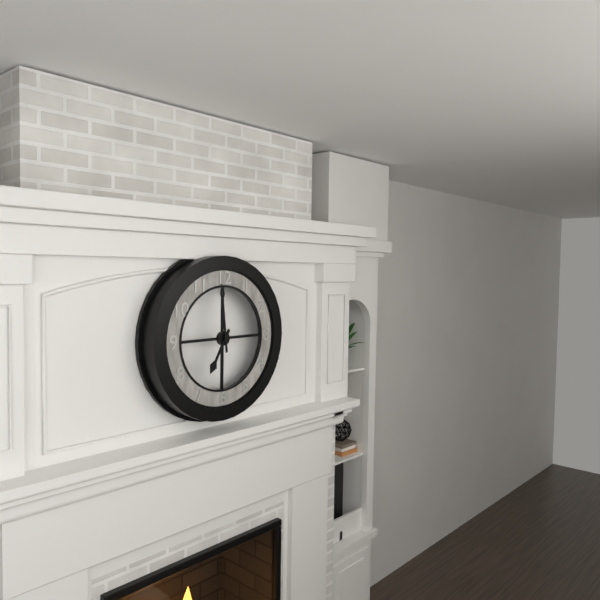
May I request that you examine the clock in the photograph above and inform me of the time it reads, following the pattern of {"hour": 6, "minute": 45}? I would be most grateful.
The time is {"hour": 6, "minute": 59}
